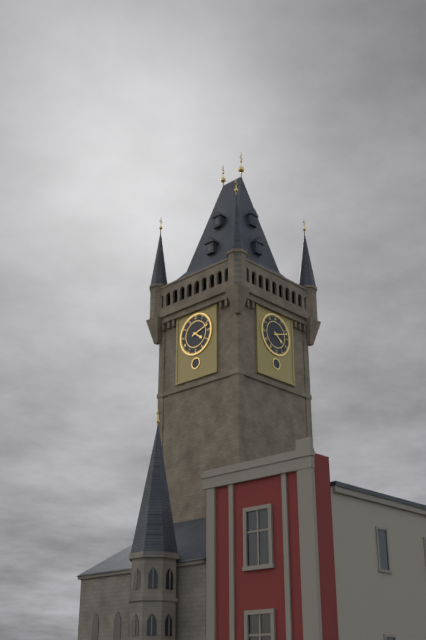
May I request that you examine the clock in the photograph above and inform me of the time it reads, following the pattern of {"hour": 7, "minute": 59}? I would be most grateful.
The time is {"hour": 4, "minute": 12}
